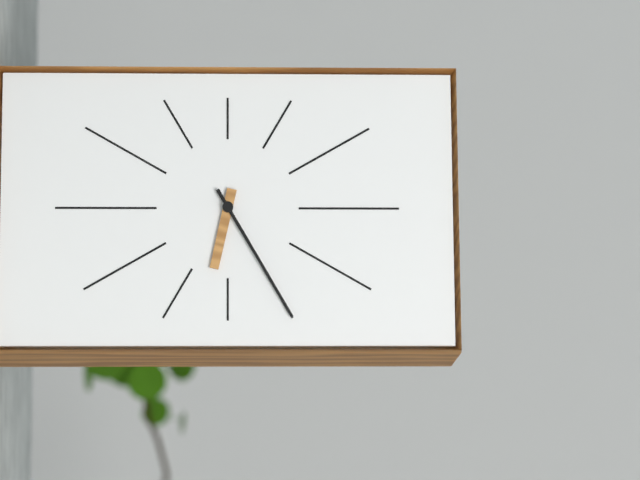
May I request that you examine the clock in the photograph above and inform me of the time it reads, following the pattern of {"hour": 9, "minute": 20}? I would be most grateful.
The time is {"hour": 6, "minute": 25}
